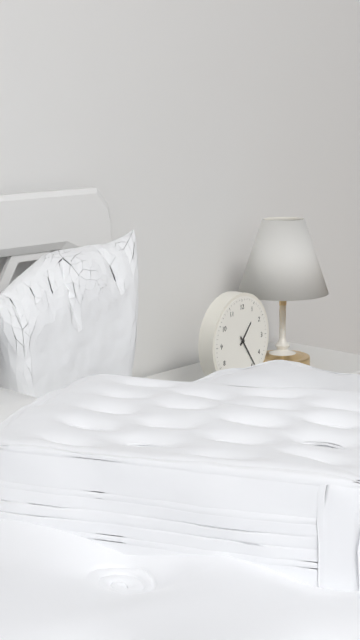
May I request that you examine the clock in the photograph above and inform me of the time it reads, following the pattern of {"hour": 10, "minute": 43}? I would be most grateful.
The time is {"hour": 1, "minute": 24}
